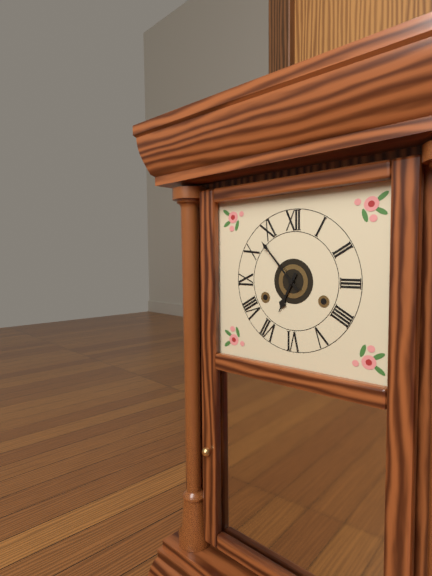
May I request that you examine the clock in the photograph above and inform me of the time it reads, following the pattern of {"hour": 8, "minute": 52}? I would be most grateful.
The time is {"hour": 6, "minute": 53}
